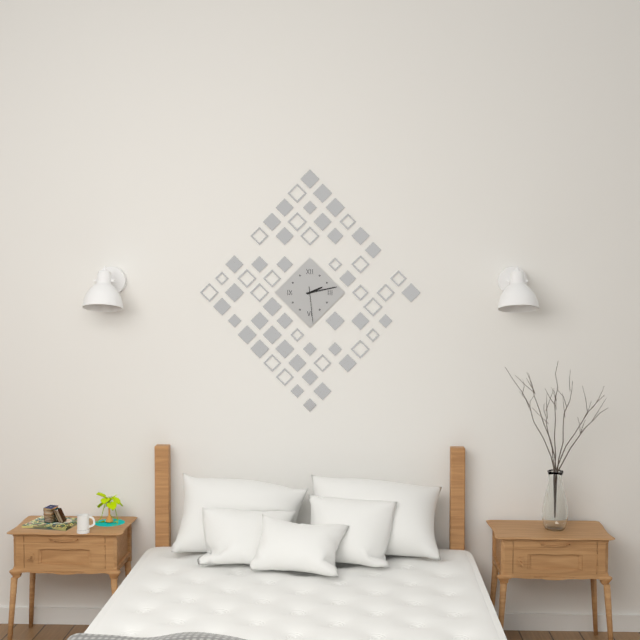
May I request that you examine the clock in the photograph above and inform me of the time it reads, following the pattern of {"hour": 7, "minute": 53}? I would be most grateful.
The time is {"hour": 2, "minute": 13}
